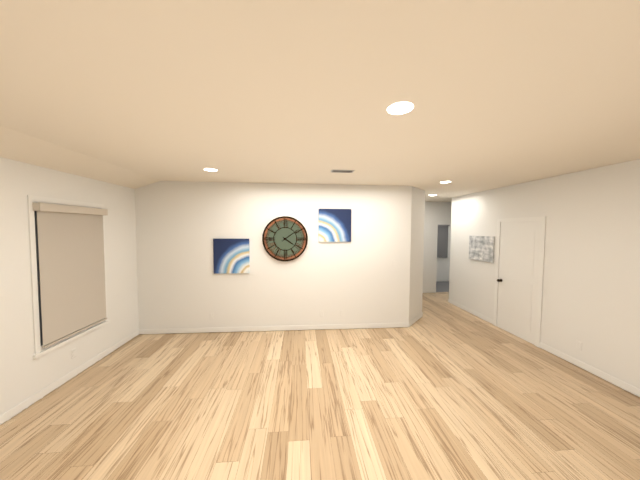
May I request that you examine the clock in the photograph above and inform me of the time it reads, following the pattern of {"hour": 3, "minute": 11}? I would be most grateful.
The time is {"hour": 4, "minute": 9}
